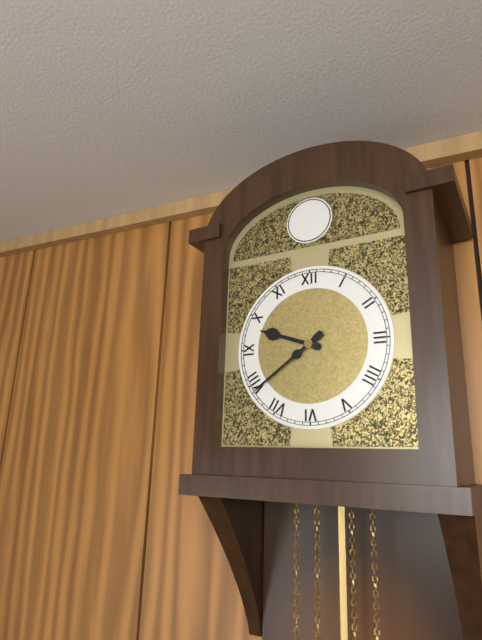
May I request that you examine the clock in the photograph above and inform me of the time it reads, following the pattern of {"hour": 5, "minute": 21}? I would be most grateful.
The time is {"hour": 9, "minute": 39}
